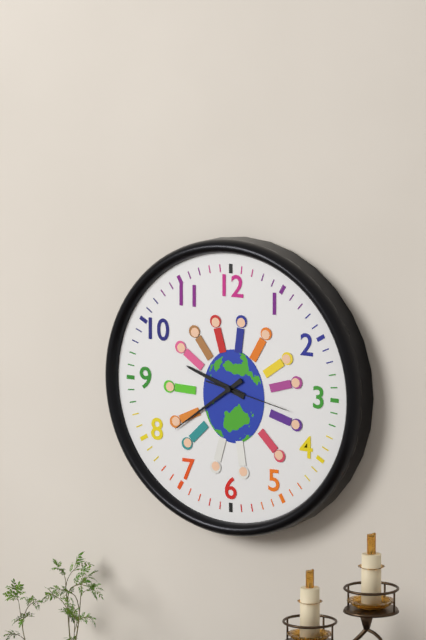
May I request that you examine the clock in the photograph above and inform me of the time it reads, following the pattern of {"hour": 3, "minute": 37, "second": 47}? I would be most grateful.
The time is {"hour": 9, "minute": 39, "second": 17}
